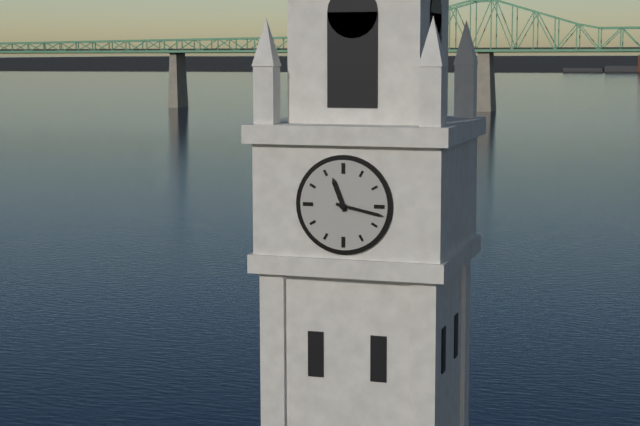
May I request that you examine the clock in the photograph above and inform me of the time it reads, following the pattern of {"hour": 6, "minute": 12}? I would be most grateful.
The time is {"hour": 11, "minute": 17}
